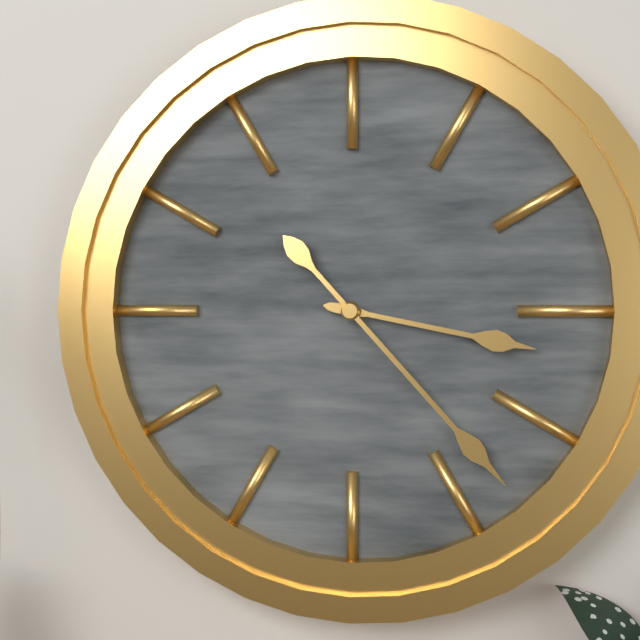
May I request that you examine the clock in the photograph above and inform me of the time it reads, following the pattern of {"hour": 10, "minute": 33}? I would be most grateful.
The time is {"hour": 3, "minute": 23}
